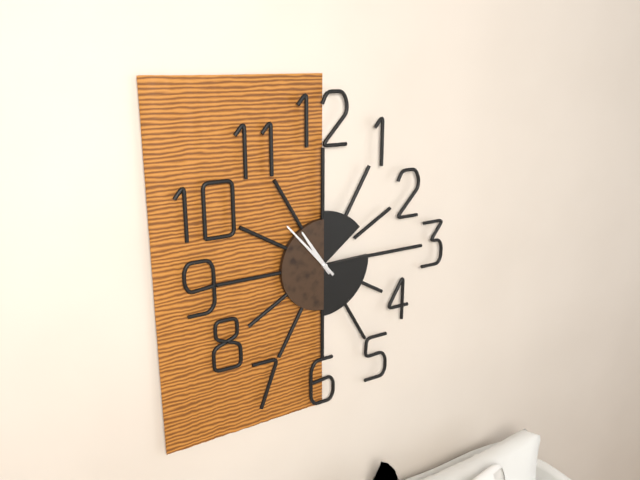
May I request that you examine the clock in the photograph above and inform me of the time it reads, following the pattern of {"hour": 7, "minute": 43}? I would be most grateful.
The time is {"hour": 10, "minute": 53}
